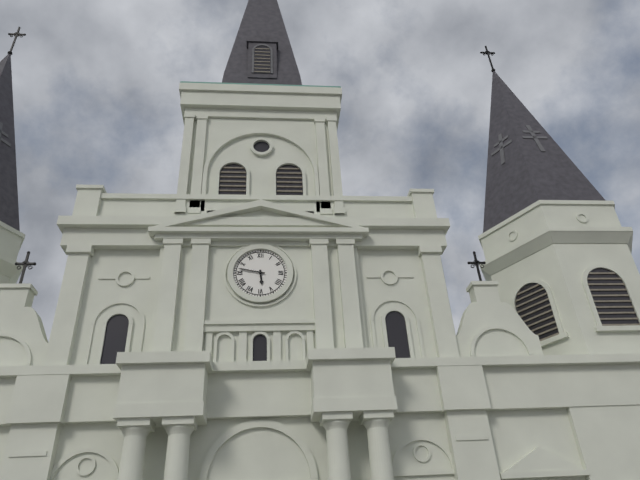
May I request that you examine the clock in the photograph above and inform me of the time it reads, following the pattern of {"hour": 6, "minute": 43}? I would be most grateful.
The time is {"hour": 5, "minute": 47}
